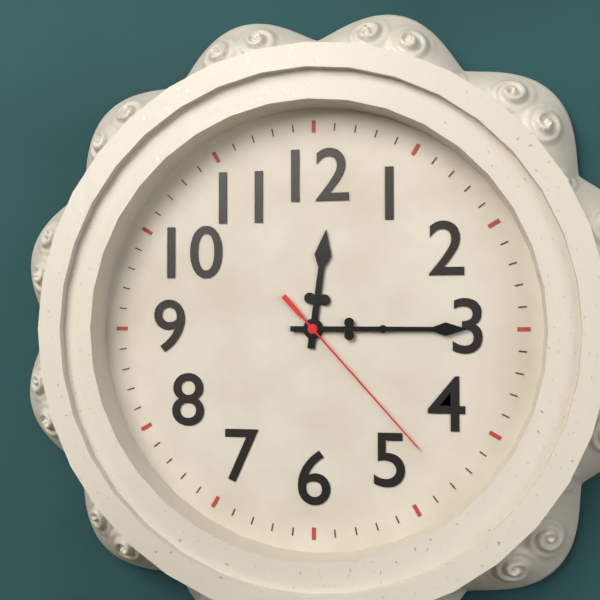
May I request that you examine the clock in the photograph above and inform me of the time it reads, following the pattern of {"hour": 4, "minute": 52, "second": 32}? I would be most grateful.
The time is {"hour": 12, "minute": 15, "second": 23}
